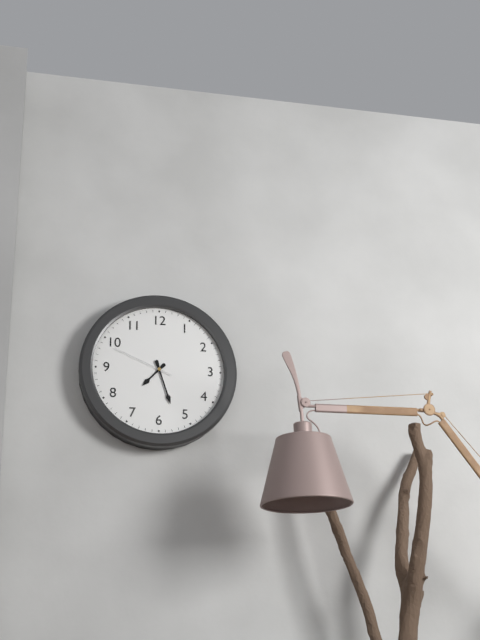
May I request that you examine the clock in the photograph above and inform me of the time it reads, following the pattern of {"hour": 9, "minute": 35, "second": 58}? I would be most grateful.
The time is {"hour": 7, "minute": 27, "second": 49}
